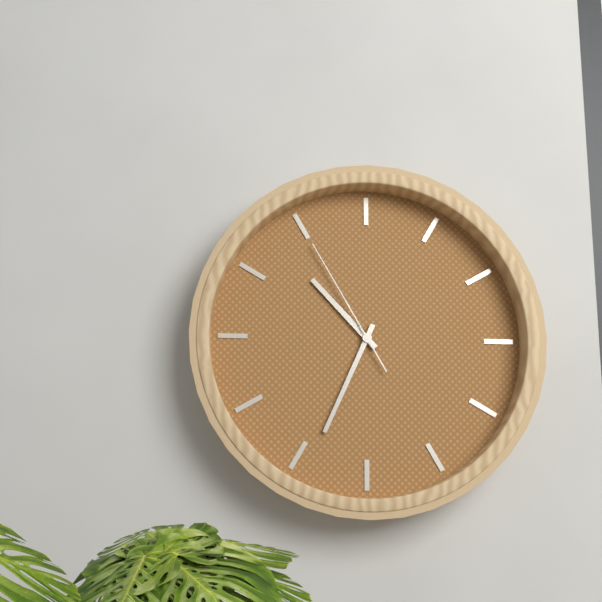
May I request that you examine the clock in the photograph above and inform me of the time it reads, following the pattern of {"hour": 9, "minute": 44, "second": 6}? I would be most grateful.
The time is {"hour": 10, "minute": 34, "second": 55}
